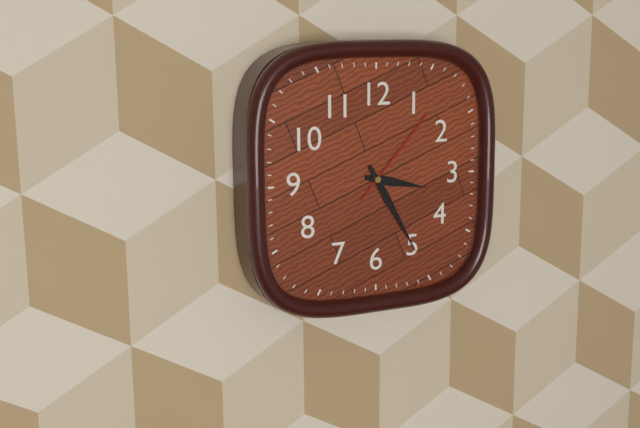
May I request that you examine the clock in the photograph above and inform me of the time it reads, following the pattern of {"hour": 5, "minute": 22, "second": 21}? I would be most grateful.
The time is {"hour": 3, "minute": 25, "second": 7}
